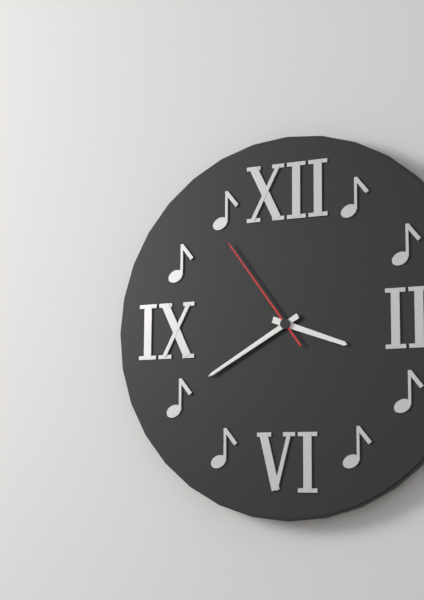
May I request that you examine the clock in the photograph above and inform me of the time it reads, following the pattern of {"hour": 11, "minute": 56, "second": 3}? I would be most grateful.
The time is {"hour": 3, "minute": 40, "second": 54}
